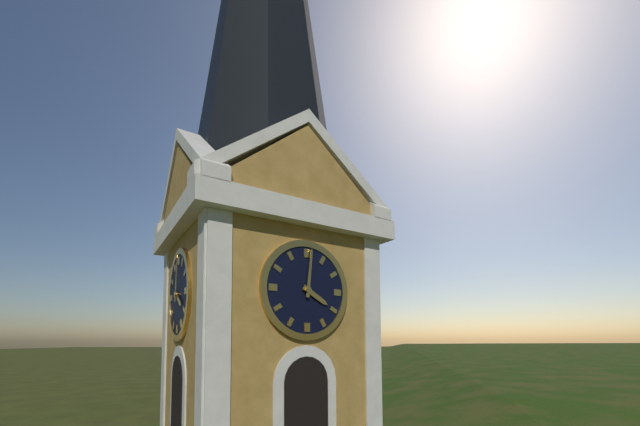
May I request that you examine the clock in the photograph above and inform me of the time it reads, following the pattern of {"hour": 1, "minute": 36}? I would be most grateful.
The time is {"hour": 4, "minute": 1}
